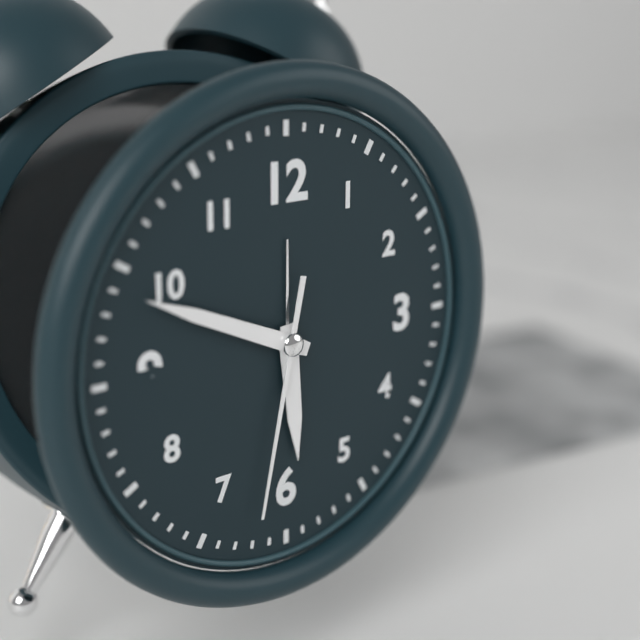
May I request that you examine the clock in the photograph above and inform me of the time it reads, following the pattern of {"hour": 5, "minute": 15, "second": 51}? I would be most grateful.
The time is {"hour": 5, "minute": 49, "second": 32}
